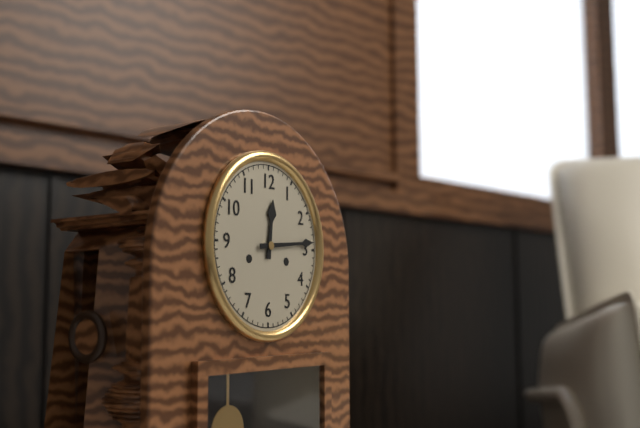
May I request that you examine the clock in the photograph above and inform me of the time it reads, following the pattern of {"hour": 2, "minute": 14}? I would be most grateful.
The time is {"hour": 12, "minute": 14}
